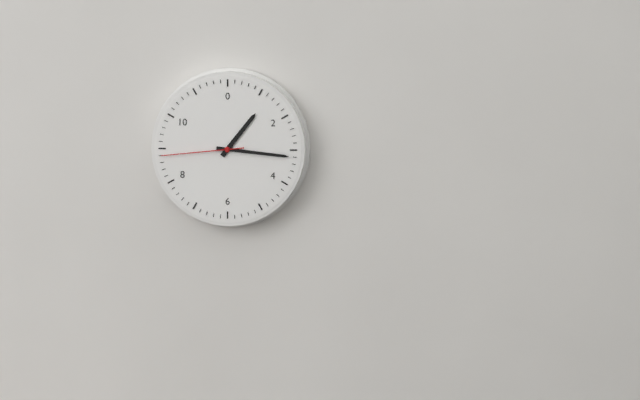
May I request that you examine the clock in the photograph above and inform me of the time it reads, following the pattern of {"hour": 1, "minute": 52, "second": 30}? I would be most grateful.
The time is {"hour": 1, "minute": 16, "second": 44}
